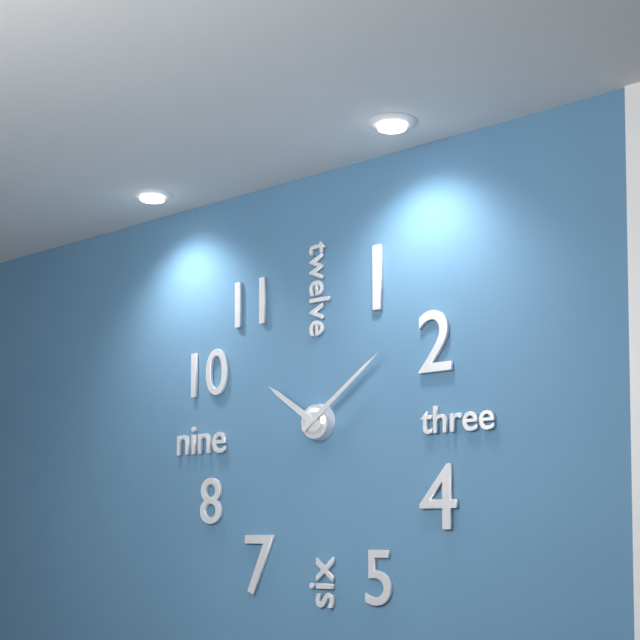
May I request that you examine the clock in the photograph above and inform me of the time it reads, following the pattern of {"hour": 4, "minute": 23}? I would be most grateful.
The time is {"hour": 10, "minute": 9}
